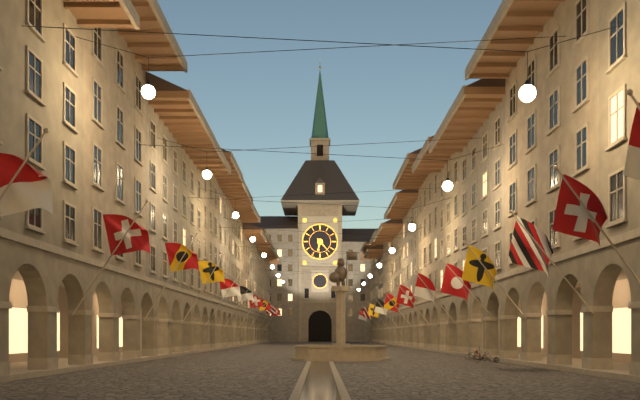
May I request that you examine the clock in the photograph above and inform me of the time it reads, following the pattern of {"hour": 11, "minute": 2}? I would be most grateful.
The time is {"hour": 6, "minute": 23}
